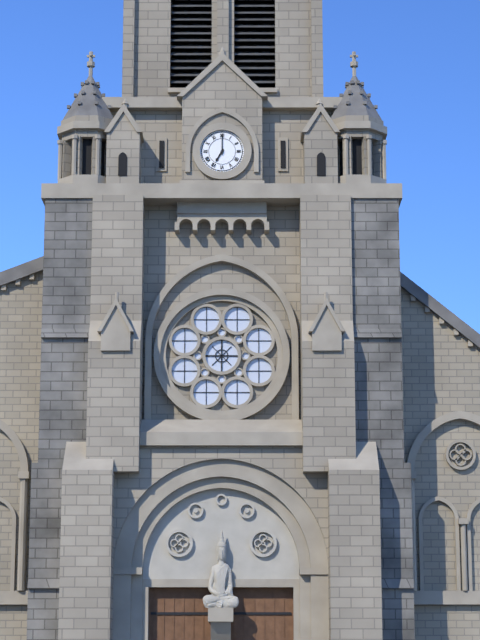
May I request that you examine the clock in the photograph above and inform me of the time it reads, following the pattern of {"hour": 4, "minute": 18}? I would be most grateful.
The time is {"hour": 7, "minute": 0}
